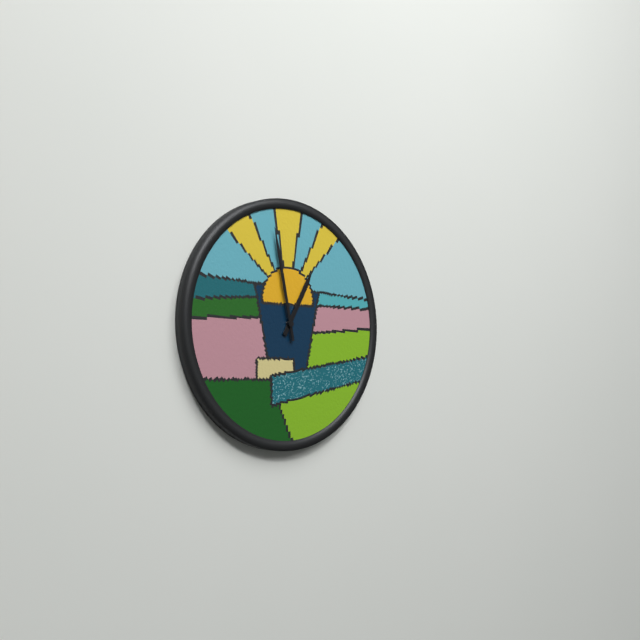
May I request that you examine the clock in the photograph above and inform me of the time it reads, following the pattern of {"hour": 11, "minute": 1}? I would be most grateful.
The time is {"hour": 12, "minute": 58}
